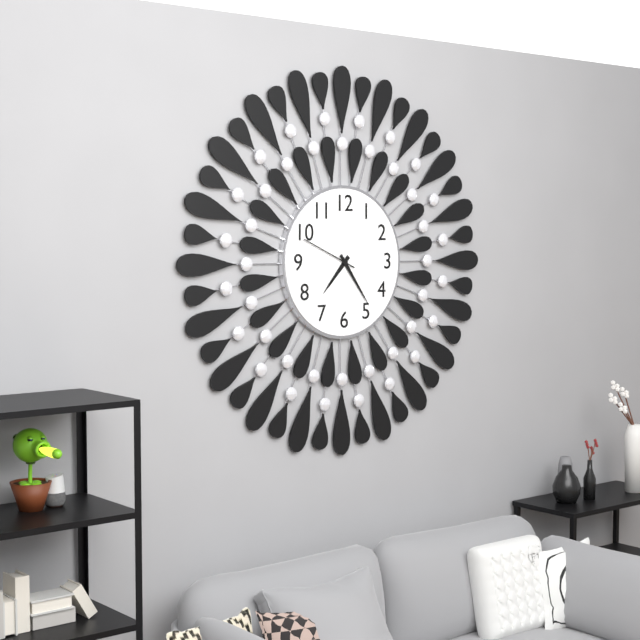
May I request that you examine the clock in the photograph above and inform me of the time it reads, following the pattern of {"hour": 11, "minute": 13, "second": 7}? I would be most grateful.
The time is {"hour": 7, "minute": 24, "second": 49}
